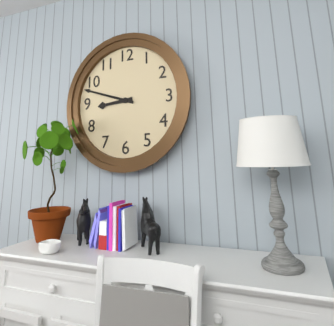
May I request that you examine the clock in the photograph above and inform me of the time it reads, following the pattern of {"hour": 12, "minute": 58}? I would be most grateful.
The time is {"hour": 8, "minute": 48}
